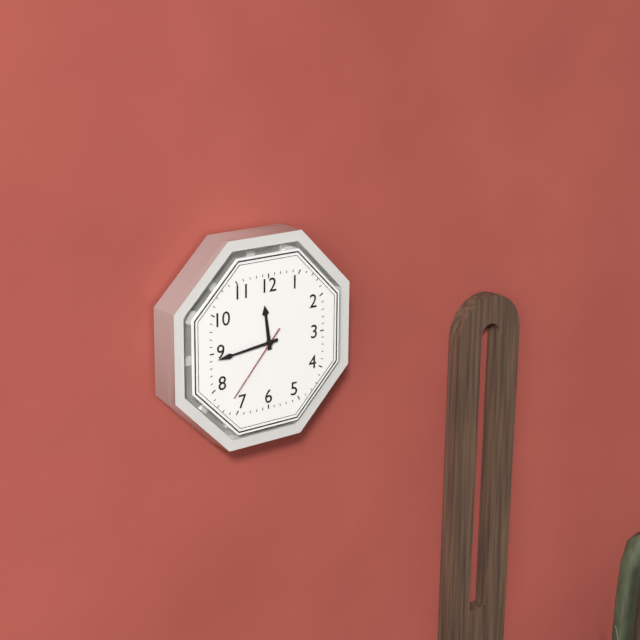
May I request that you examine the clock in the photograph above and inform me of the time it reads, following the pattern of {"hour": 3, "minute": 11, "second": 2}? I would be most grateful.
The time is {"hour": 11, "minute": 44, "second": 37}
